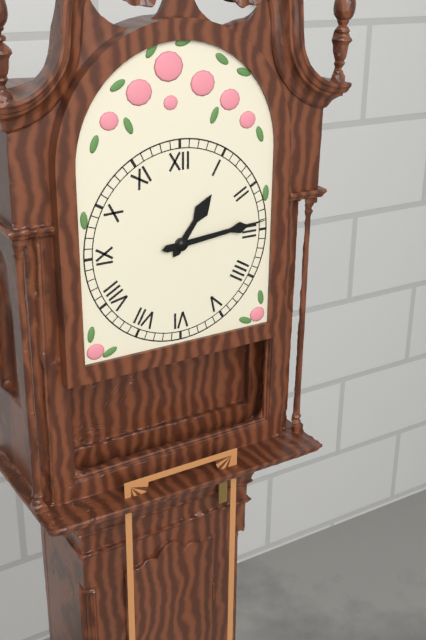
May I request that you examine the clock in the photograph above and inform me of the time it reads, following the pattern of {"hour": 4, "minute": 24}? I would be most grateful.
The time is {"hour": 1, "minute": 14}
